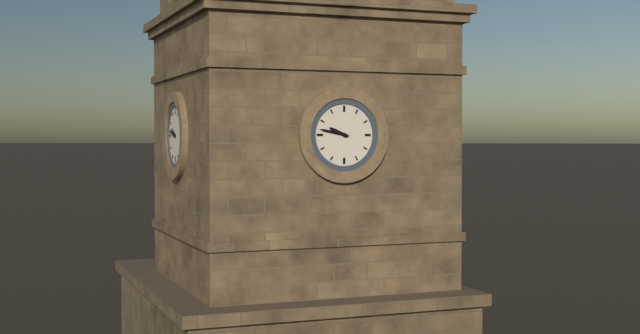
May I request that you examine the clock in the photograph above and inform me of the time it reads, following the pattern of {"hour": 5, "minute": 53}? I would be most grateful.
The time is {"hour": 9, "minute": 47}
